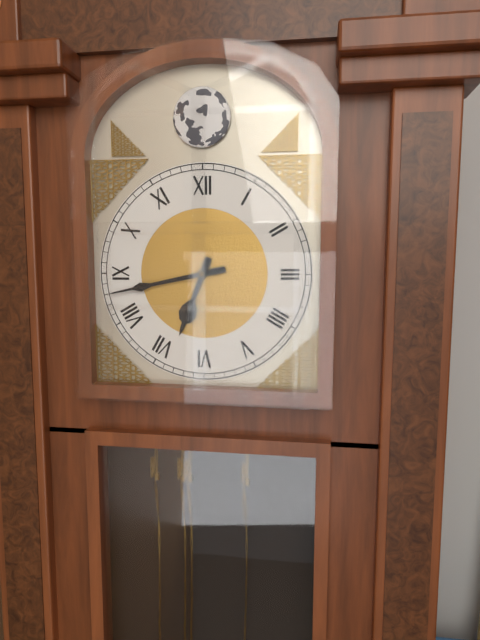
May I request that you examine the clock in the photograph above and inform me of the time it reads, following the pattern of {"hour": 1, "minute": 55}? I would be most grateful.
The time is {"hour": 6, "minute": 43}
